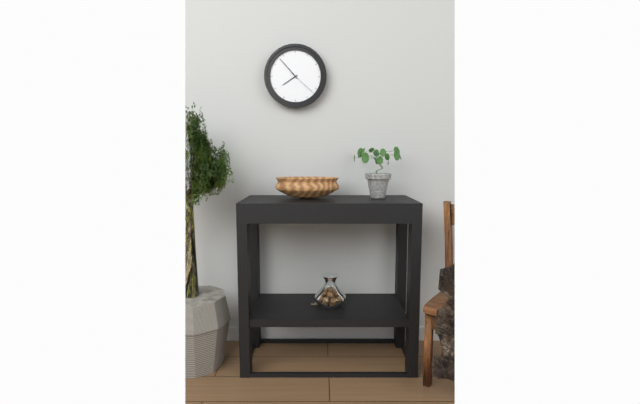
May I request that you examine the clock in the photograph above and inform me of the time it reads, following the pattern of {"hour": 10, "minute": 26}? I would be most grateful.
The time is {"hour": 7, "minute": 53}
